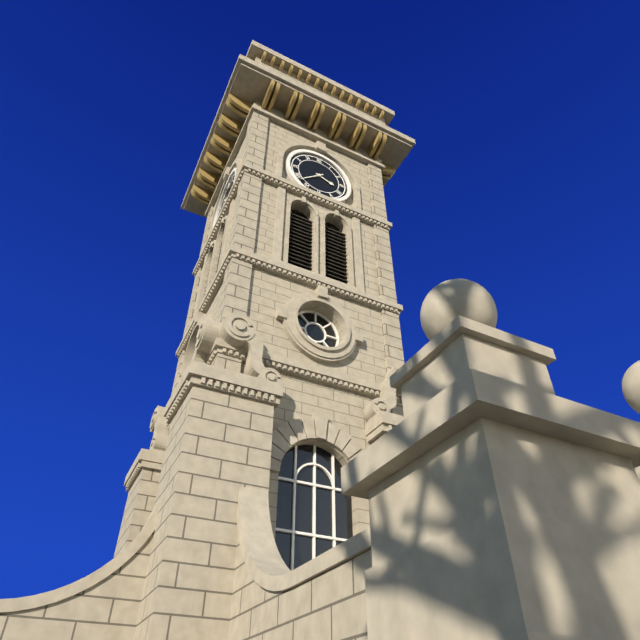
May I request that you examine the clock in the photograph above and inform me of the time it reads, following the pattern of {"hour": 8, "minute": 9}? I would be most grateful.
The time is {"hour": 3, "minute": 38}
